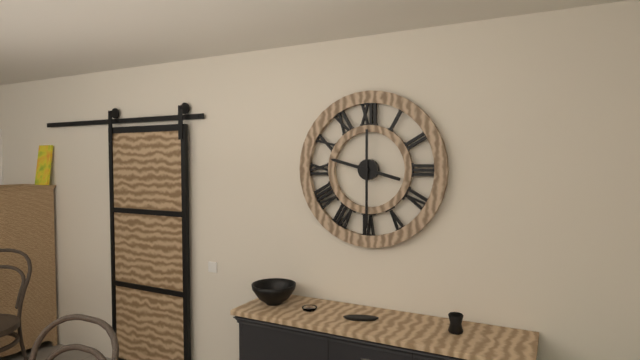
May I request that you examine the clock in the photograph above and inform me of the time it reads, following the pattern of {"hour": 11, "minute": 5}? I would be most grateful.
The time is {"hour": 9, "minute": 30}
